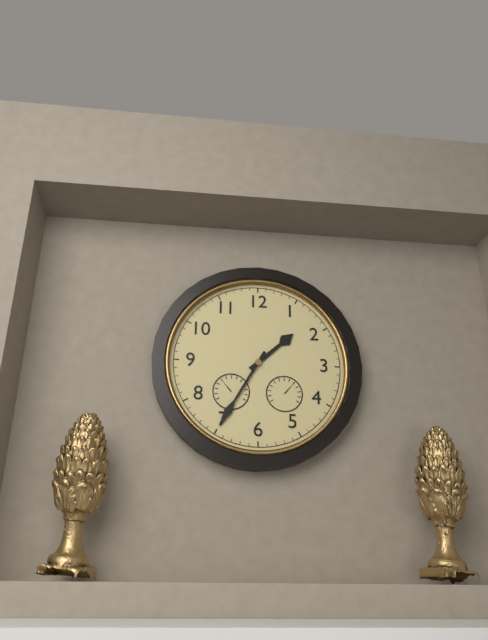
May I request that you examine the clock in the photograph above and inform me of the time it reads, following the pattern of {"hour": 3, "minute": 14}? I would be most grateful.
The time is {"hour": 1, "minute": 35}
